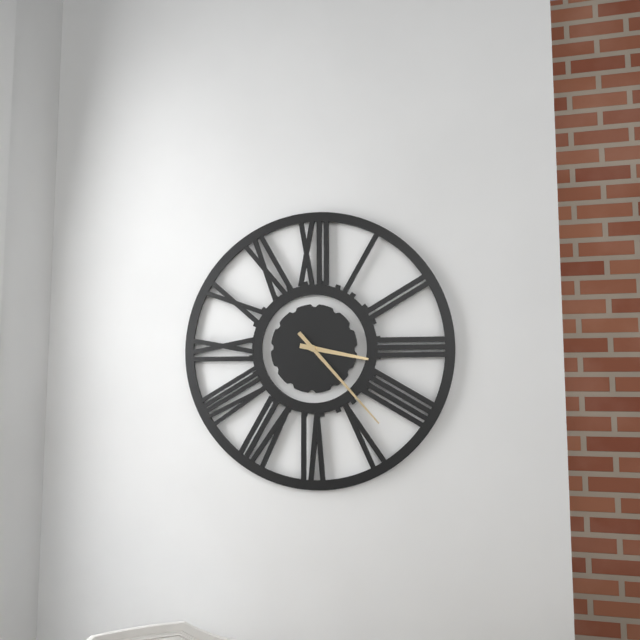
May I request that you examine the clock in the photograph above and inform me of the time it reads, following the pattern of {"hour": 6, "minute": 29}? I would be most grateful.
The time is {"hour": 3, "minute": 23}
